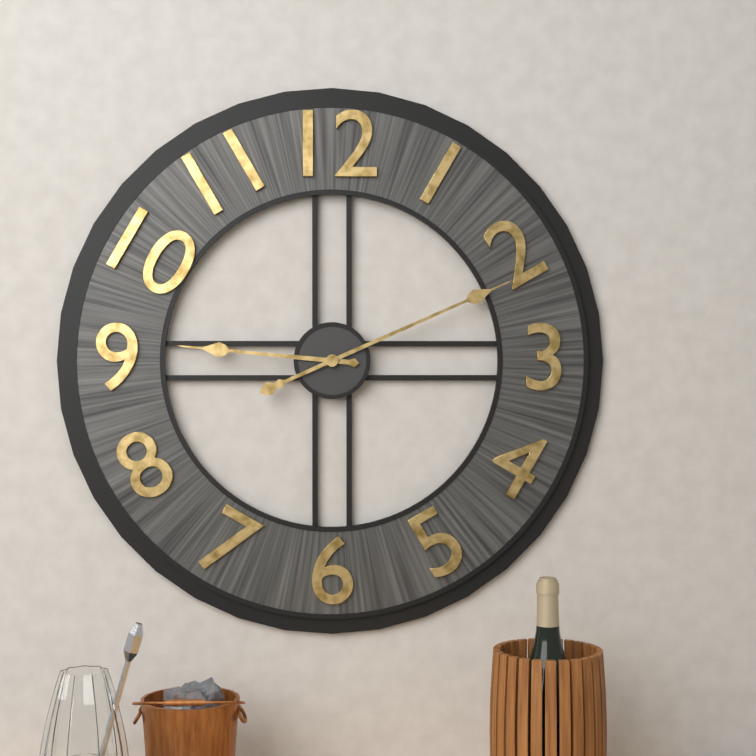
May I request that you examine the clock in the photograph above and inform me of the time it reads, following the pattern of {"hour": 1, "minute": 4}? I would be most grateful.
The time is {"hour": 9, "minute": 11}
